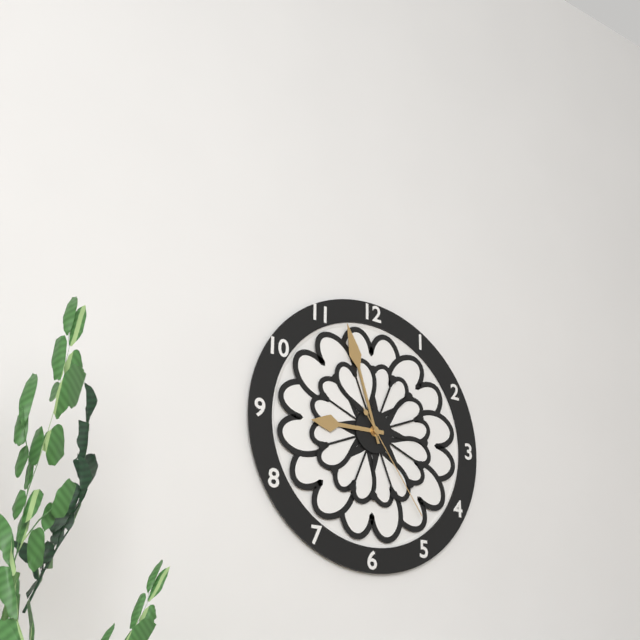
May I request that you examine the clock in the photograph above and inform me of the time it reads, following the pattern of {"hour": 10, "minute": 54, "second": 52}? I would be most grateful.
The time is {"hour": 8, "minute": 57, "second": 24}
